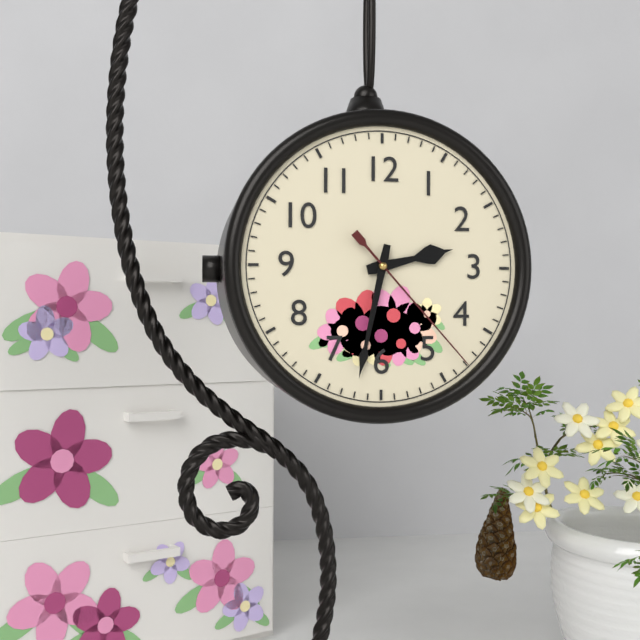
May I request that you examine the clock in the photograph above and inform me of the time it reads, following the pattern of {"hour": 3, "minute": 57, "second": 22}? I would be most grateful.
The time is {"hour": 2, "minute": 32, "second": 23}
